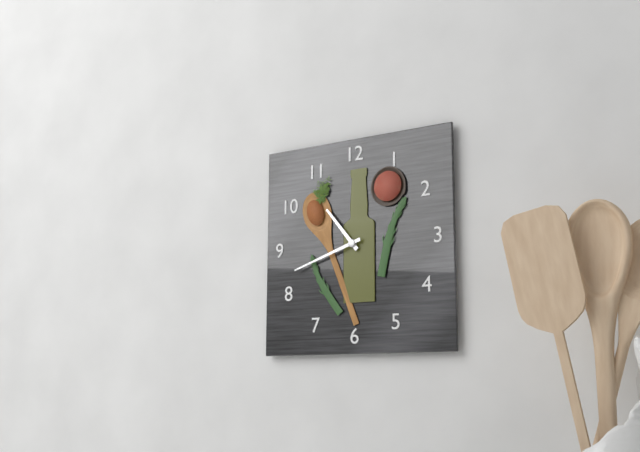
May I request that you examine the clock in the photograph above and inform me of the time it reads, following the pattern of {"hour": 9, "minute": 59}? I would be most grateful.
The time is {"hour": 10, "minute": 42}
